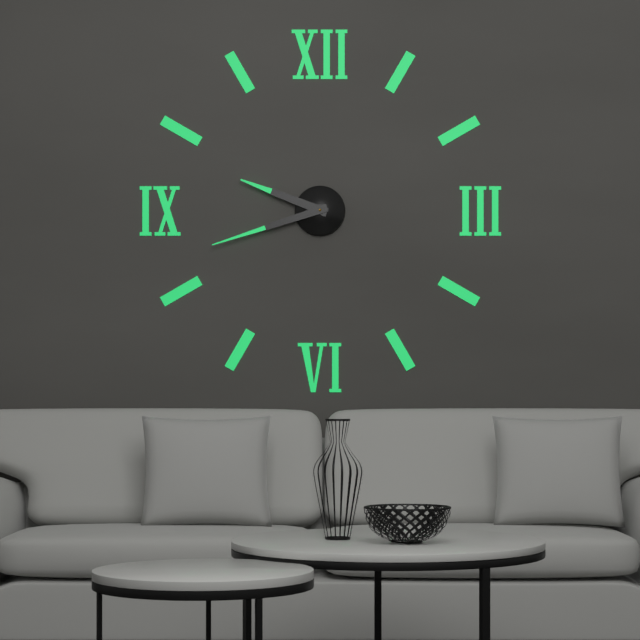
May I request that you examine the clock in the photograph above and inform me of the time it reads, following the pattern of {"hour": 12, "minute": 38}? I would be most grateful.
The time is {"hour": 9, "minute": 42}
